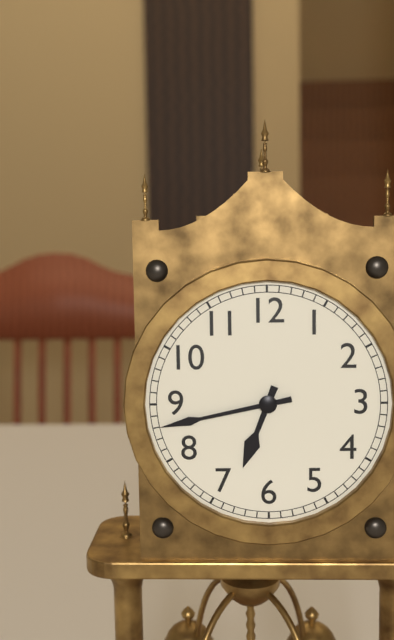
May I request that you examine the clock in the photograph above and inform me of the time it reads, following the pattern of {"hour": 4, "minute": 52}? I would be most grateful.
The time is {"hour": 6, "minute": 43}
